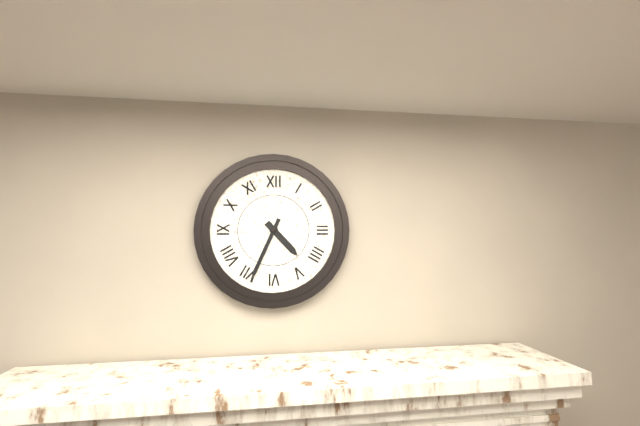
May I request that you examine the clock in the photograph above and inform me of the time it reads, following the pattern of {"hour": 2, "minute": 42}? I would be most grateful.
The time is {"hour": 4, "minute": 34}
